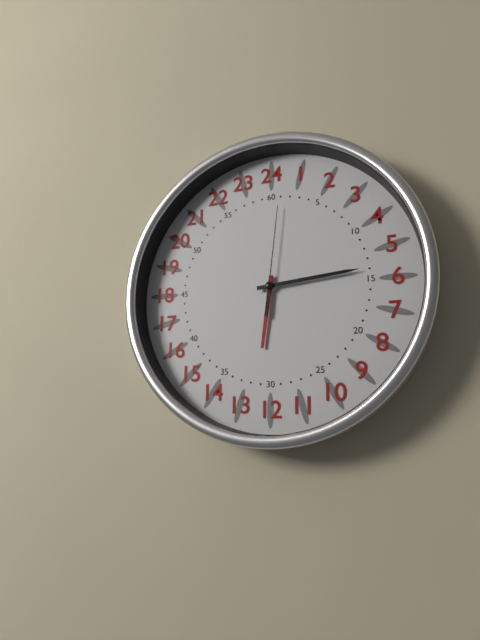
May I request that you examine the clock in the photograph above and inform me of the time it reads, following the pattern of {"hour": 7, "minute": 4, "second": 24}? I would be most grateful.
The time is {"hour": 6, "minute": 14, "second": 1}
